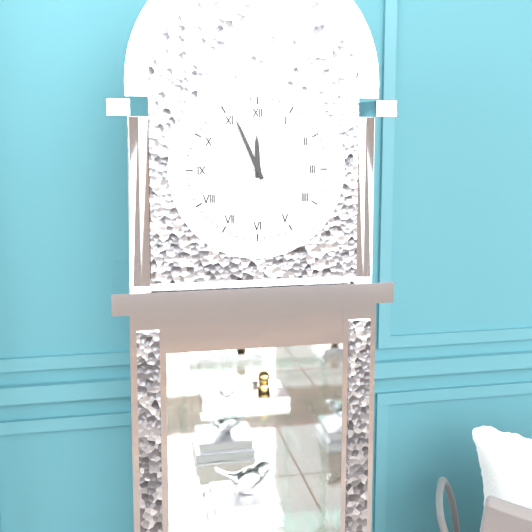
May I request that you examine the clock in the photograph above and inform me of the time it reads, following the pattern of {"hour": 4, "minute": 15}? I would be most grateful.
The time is {"hour": 11, "minute": 56}
